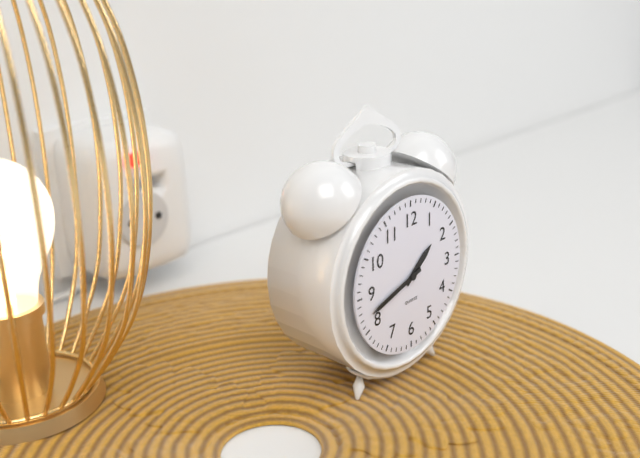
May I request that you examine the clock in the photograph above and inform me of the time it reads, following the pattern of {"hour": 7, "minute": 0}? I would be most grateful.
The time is {"hour": 1, "minute": 42}
